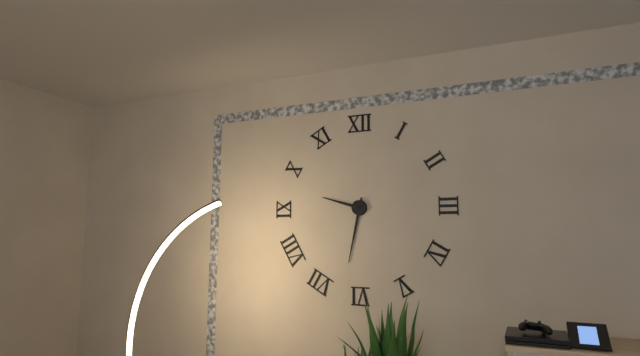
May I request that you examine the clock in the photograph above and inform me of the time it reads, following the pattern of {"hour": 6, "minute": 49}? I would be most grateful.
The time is {"hour": 9, "minute": 32}
